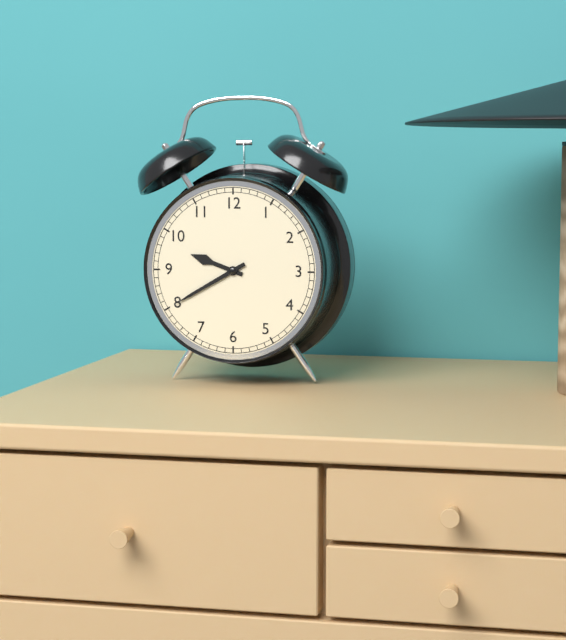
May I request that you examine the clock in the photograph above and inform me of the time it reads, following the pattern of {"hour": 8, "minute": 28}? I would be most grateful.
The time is {"hour": 9, "minute": 40}
